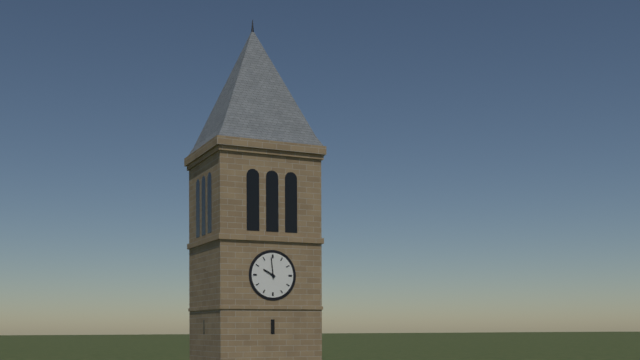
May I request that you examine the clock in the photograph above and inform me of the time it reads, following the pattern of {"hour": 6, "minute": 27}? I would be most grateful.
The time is {"hour": 9, "minute": 59}
